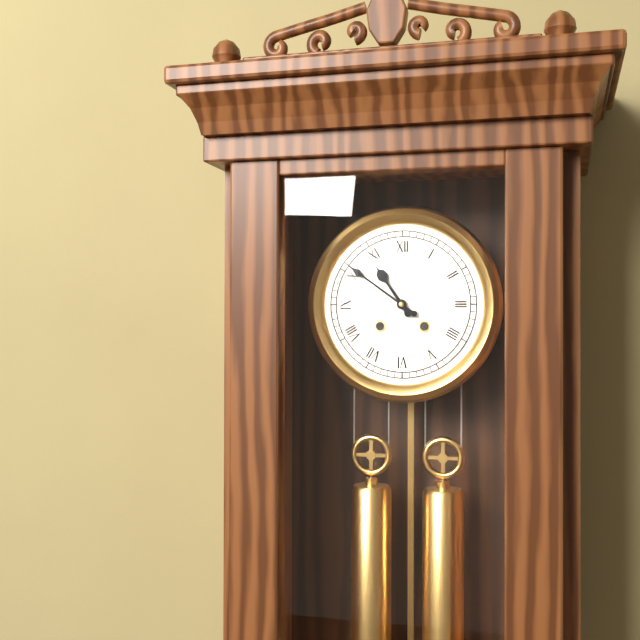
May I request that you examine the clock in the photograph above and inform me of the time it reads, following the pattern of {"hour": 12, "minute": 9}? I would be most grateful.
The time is {"hour": 10, "minute": 51}
